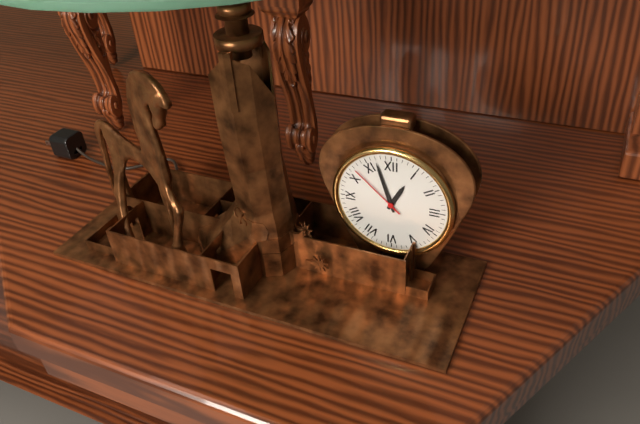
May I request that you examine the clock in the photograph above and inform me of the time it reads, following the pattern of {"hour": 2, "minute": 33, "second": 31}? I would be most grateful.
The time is {"hour": 12, "minute": 57, "second": 52}
